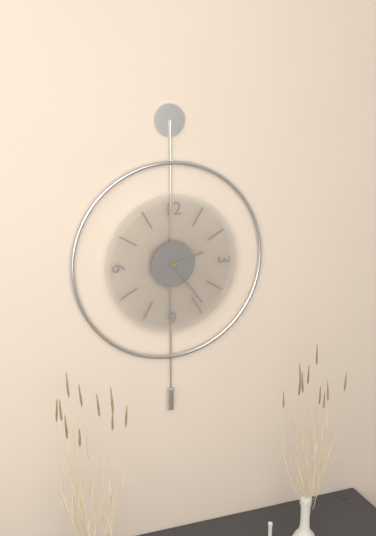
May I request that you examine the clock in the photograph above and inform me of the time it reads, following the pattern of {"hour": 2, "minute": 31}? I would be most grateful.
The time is {"hour": 2, "minute": 24}
